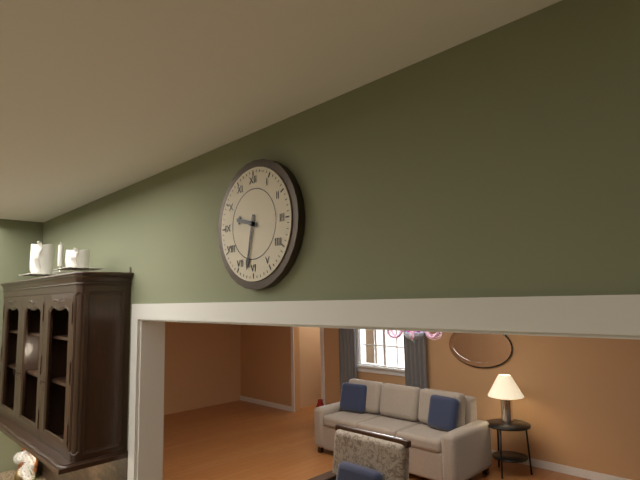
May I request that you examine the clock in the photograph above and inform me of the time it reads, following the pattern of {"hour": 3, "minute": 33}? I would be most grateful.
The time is {"hour": 9, "minute": 32}
